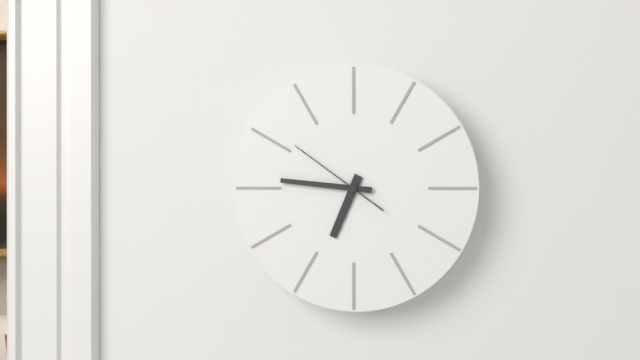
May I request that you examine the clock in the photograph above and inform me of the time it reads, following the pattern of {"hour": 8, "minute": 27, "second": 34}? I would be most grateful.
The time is {"hour": 6, "minute": 46, "second": 51}
